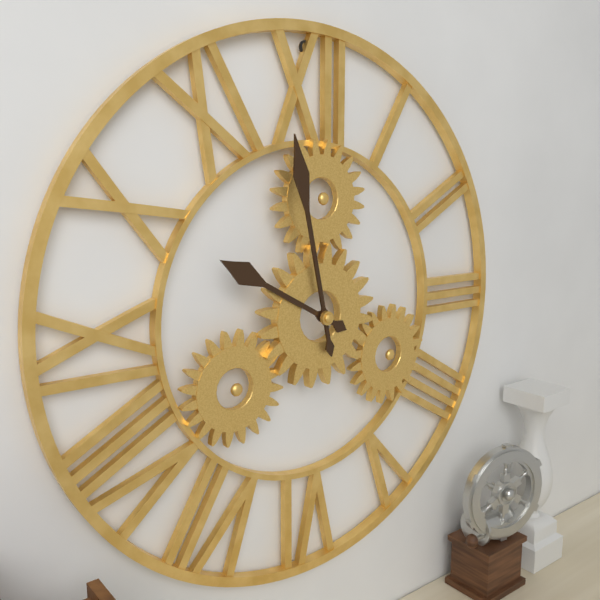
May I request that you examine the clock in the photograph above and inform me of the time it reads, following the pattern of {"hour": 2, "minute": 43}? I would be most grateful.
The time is {"hour": 9, "minute": 58}
